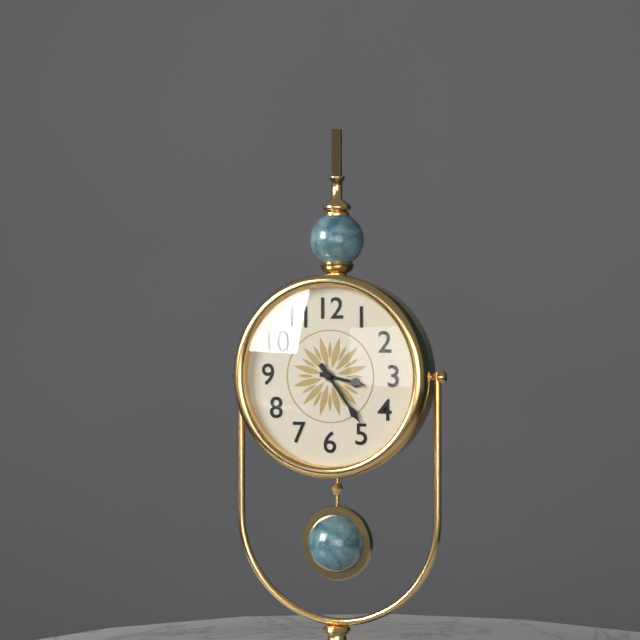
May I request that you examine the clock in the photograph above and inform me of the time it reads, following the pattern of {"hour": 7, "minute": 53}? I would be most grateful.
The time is {"hour": 3, "minute": 24}
